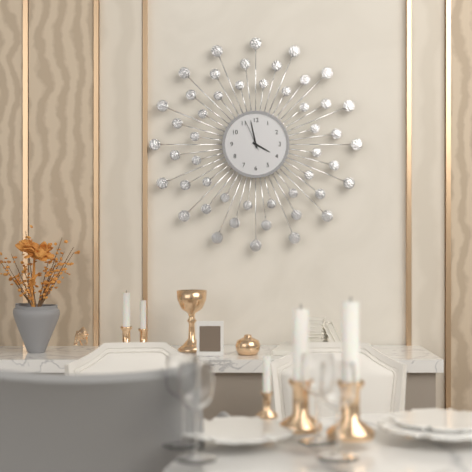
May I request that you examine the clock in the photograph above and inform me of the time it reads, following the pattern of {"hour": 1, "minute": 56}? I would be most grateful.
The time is {"hour": 3, "minute": 58}
